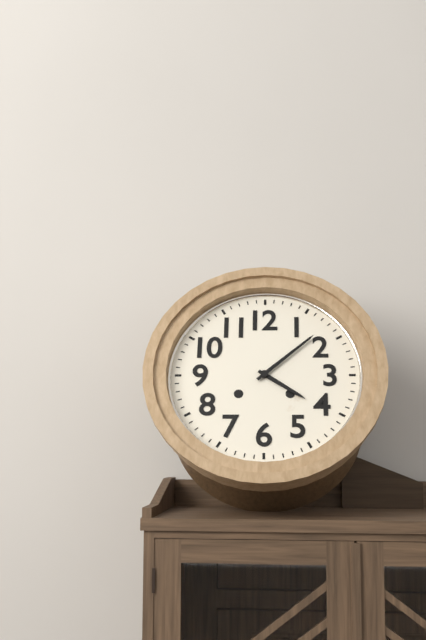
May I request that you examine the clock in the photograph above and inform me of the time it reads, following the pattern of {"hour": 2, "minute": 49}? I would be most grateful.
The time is {"hour": 4, "minute": 8}
